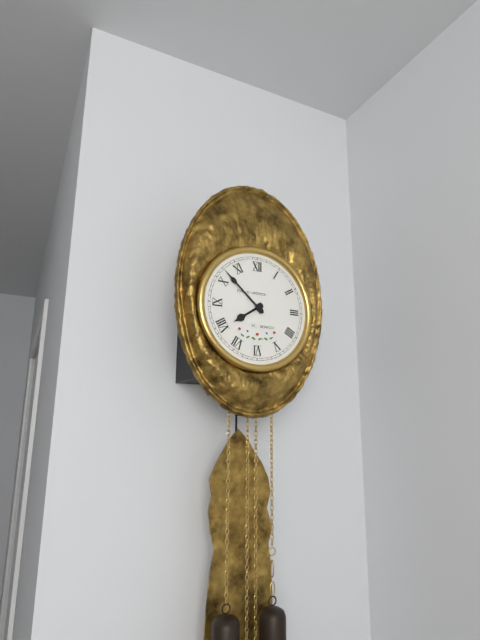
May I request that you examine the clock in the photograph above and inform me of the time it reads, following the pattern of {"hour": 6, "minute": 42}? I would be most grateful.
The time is {"hour": 7, "minute": 52}
